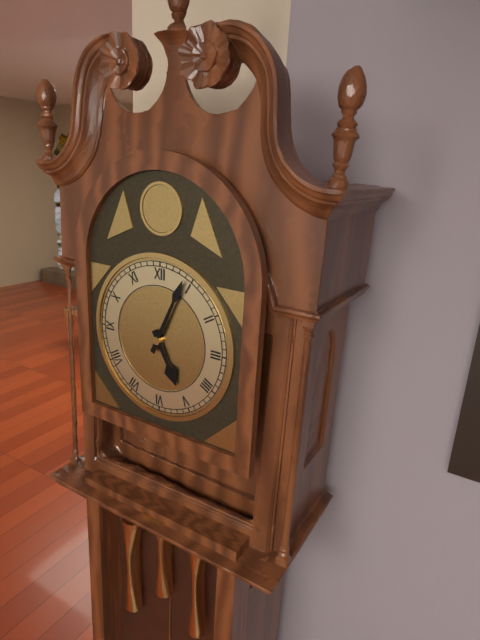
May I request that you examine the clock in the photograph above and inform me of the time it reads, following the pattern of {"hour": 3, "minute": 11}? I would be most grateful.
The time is {"hour": 5, "minute": 4}
